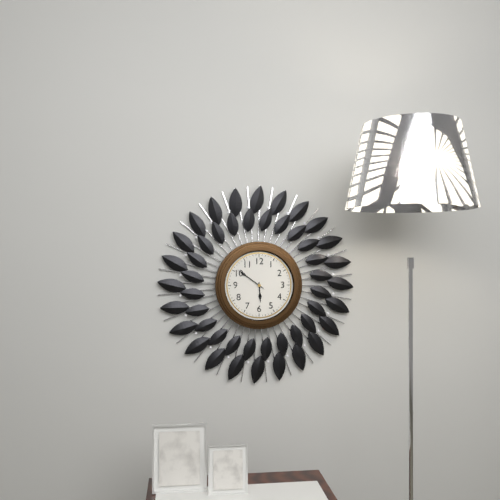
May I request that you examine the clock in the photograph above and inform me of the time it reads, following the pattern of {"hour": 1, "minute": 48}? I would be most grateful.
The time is {"hour": 5, "minute": 51}
